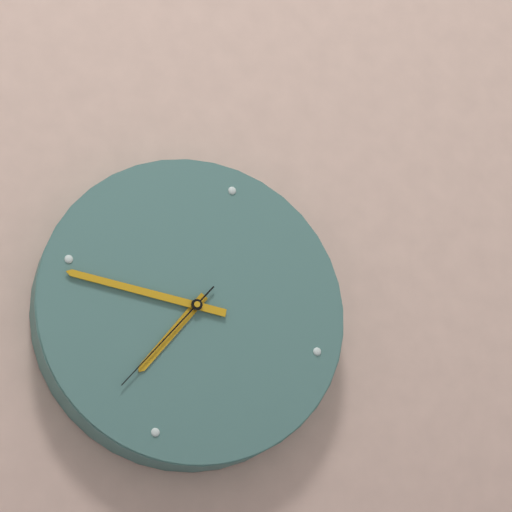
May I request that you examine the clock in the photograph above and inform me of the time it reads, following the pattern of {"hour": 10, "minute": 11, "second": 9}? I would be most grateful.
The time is {"hour": 6, "minute": 44, "second": 34}
